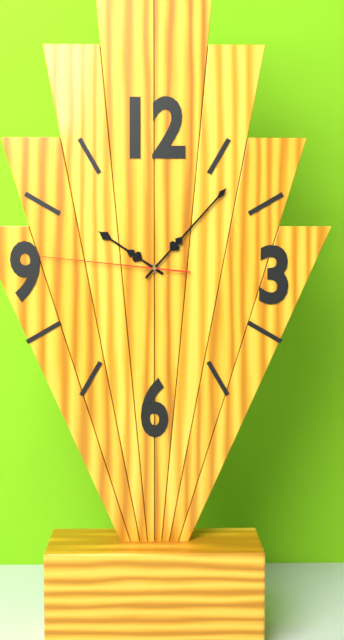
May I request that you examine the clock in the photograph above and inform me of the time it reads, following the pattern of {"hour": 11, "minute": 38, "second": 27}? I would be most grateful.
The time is {"hour": 10, "minute": 7, "second": 46}
